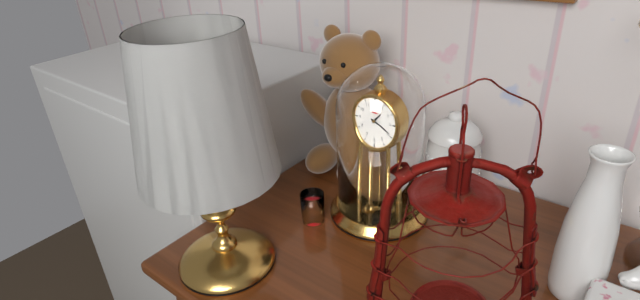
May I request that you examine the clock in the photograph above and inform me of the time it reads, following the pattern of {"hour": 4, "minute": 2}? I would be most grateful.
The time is {"hour": 1, "minute": 19}
